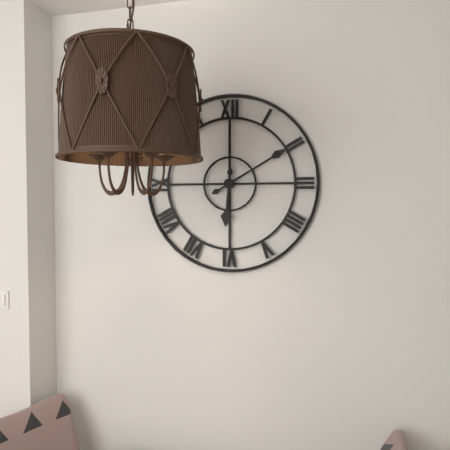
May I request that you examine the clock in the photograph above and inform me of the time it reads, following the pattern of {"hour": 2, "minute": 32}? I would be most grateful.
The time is {"hour": 6, "minute": 10}
